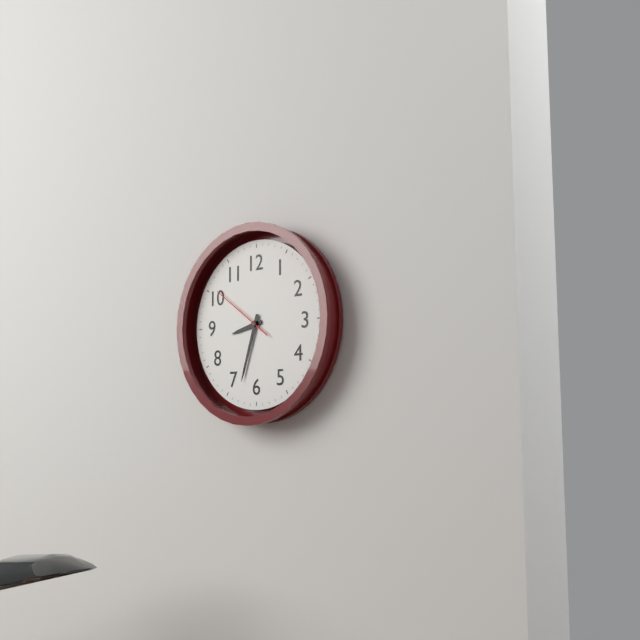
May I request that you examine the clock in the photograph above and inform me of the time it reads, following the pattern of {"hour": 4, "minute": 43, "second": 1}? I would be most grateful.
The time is {"hour": 8, "minute": 33, "second": 51}
